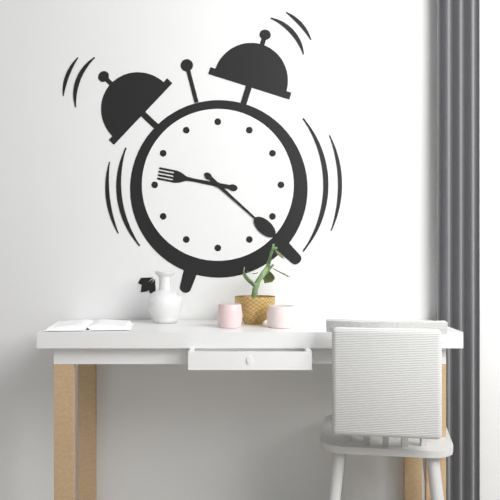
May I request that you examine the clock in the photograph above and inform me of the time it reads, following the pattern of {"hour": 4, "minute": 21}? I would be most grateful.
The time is {"hour": 9, "minute": 22}
